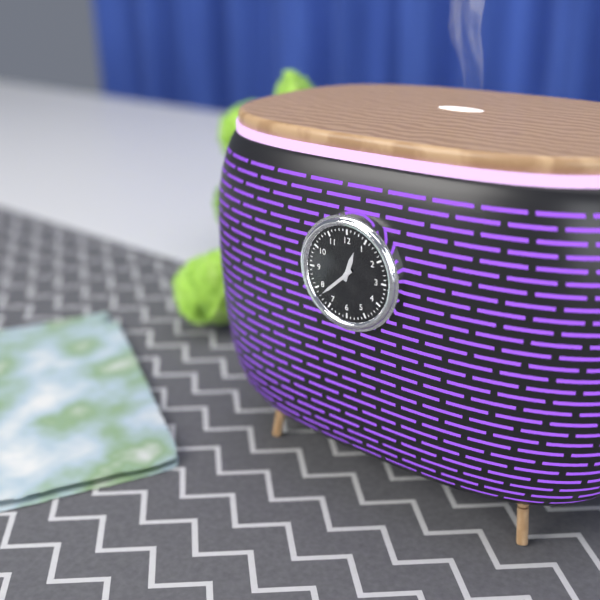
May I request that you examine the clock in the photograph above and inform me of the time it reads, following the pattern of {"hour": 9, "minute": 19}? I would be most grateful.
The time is {"hour": 12, "minute": 38}
